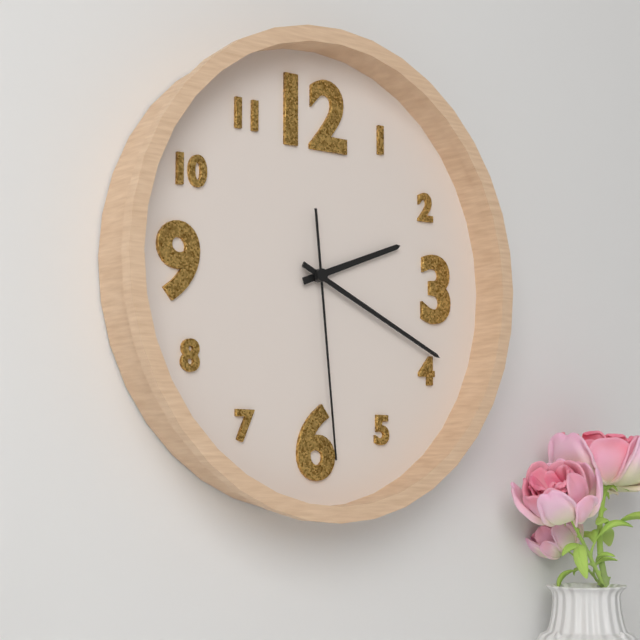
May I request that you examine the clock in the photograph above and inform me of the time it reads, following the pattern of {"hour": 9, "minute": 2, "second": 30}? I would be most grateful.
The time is {"hour": 2, "minute": 19, "second": 29}
